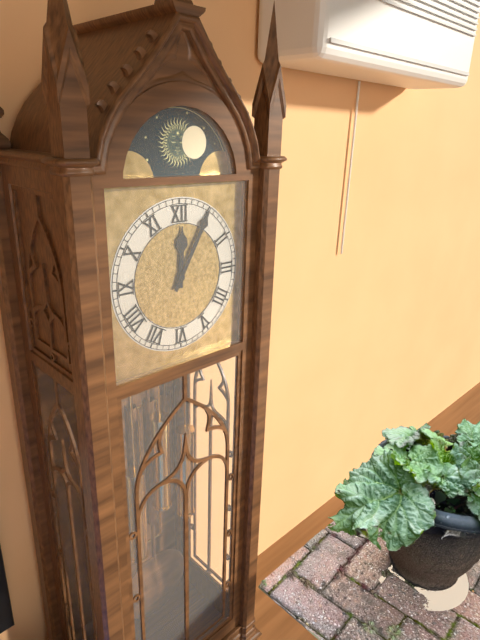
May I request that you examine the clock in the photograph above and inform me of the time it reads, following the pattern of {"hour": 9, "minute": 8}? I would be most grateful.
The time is {"hour": 12, "minute": 5}
